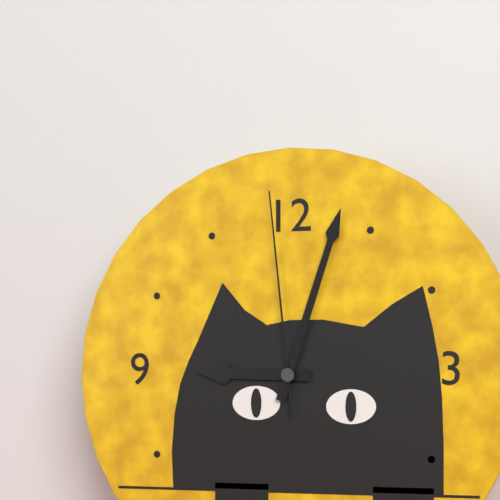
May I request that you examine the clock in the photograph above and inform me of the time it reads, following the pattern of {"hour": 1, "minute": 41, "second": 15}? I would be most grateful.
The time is {"hour": 9, "minute": 3, "second": 59}
